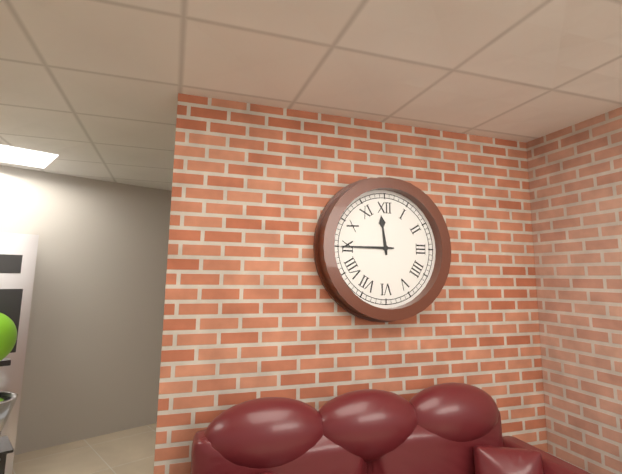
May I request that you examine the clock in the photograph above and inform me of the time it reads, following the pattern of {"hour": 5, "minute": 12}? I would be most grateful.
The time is {"hour": 11, "minute": 45}
